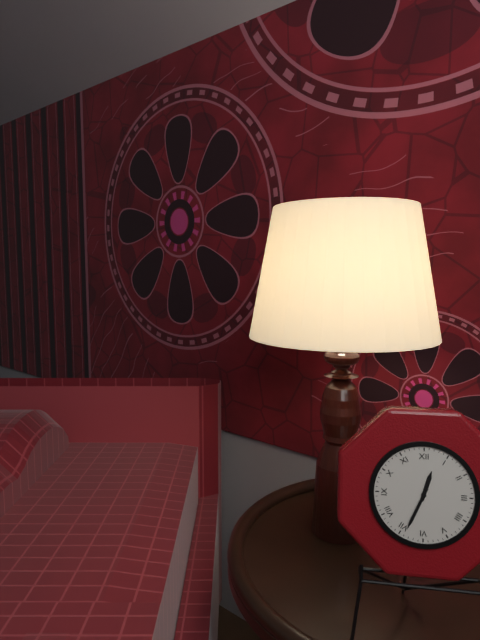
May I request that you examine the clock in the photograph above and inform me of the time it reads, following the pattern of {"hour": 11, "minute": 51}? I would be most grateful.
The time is {"hour": 12, "minute": 34}
